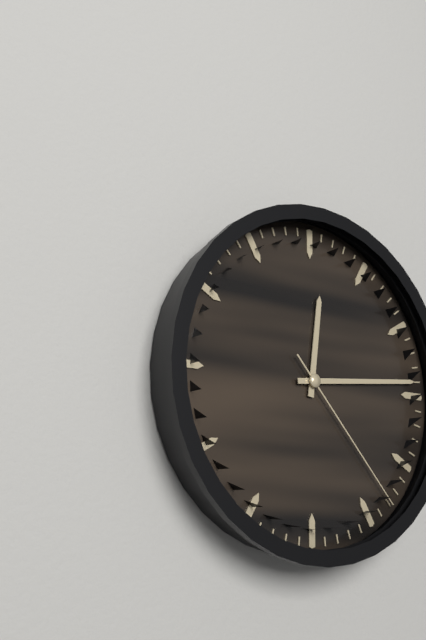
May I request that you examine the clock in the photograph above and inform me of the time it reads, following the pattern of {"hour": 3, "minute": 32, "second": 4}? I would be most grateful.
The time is {"hour": 12, "minute": 14, "second": 23}
